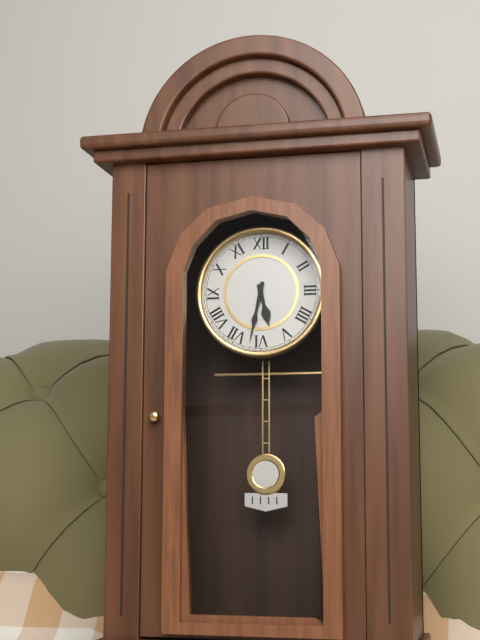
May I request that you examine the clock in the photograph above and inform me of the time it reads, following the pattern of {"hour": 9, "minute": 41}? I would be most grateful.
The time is {"hour": 5, "minute": 32}
